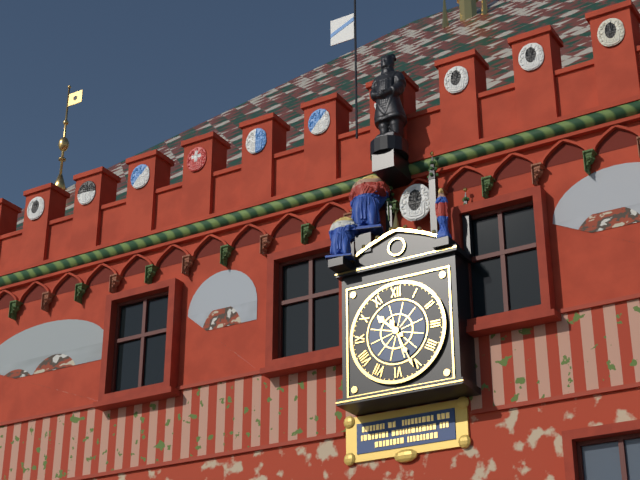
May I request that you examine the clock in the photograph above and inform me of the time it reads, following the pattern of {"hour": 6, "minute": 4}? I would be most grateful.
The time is {"hour": 10, "minute": 26}
